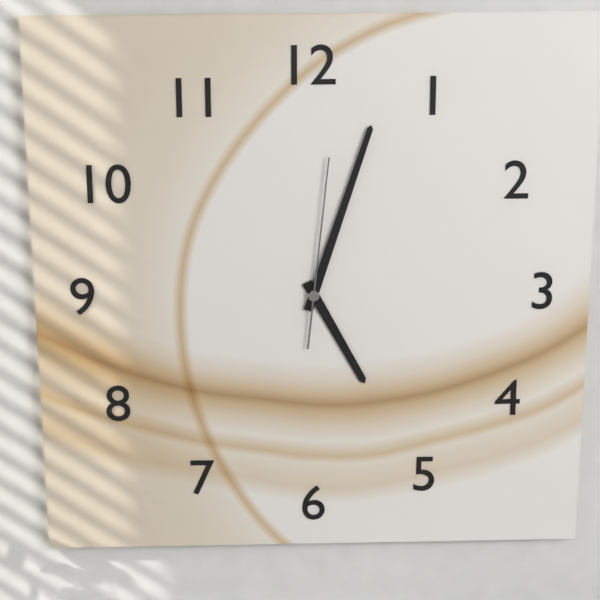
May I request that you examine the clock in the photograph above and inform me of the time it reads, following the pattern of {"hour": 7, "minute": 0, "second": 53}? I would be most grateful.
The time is {"hour": 5, "minute": 3, "second": 1}
